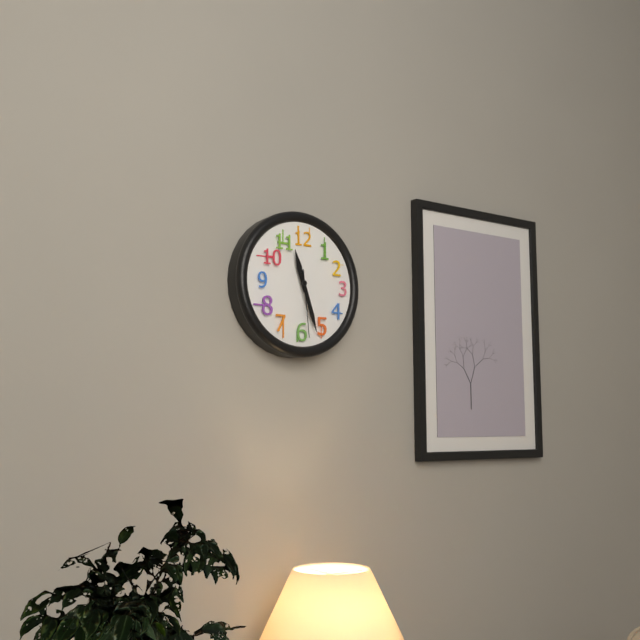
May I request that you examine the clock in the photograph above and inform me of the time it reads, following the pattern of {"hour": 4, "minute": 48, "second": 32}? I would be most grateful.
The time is {"hour": 11, "minute": 27, "second": 29}
